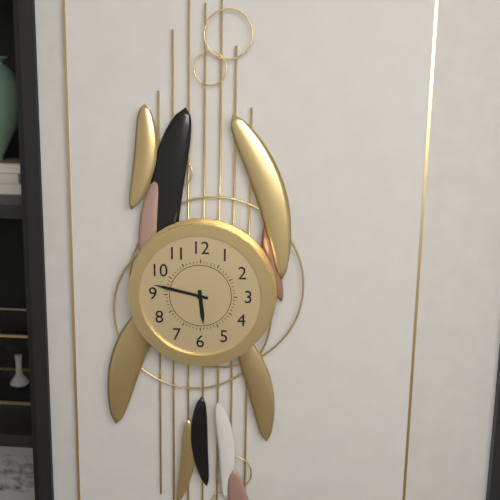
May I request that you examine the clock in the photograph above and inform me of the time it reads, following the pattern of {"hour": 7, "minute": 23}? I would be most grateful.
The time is {"hour": 5, "minute": 47}
